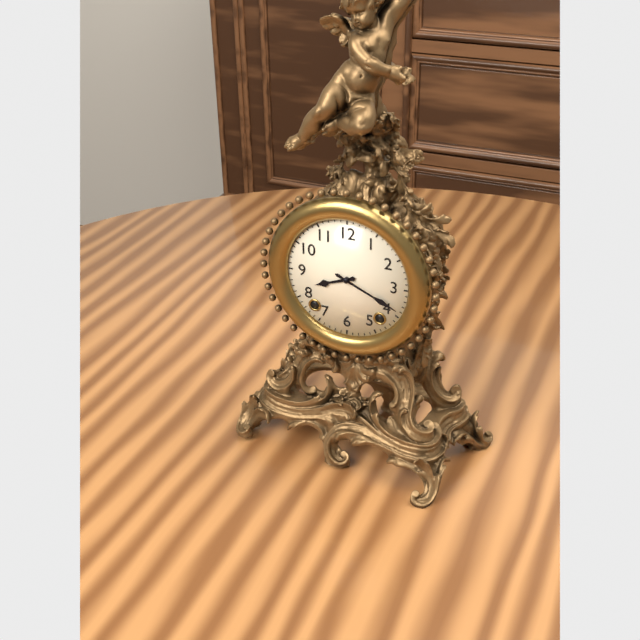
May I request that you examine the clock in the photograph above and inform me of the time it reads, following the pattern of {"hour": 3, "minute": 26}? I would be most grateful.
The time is {"hour": 8, "minute": 19}
